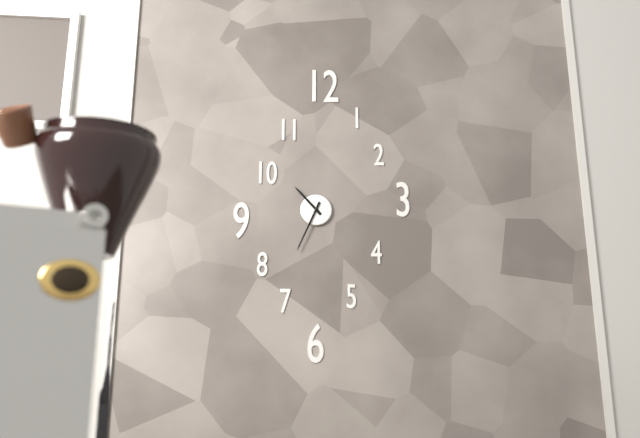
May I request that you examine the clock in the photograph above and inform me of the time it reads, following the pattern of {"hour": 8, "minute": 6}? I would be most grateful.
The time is {"hour": 10, "minute": 34}
